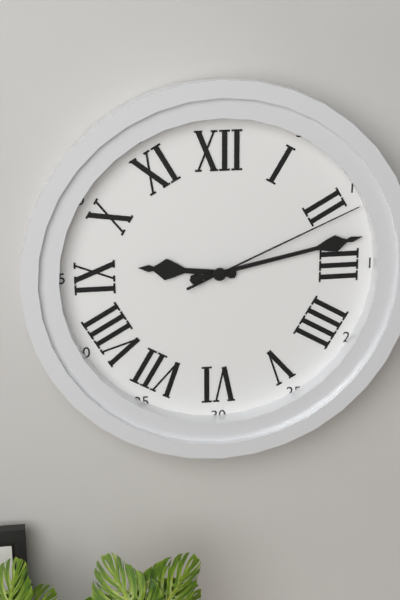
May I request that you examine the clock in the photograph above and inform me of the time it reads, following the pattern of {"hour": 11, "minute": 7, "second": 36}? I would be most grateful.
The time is {"hour": 9, "minute": 13, "second": 11}
